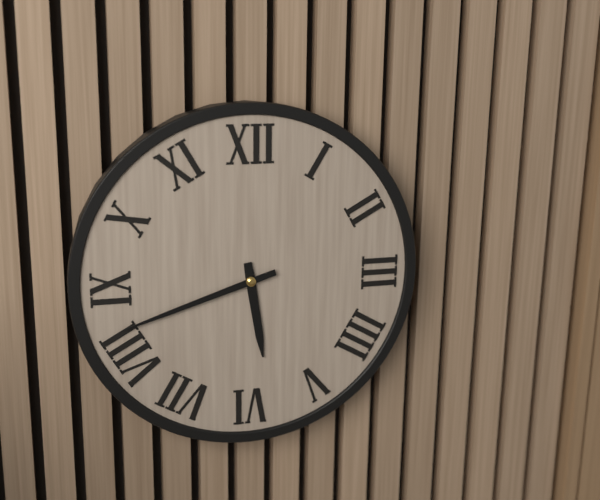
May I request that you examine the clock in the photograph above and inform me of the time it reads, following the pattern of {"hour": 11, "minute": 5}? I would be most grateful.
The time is {"hour": 5, "minute": 42}
